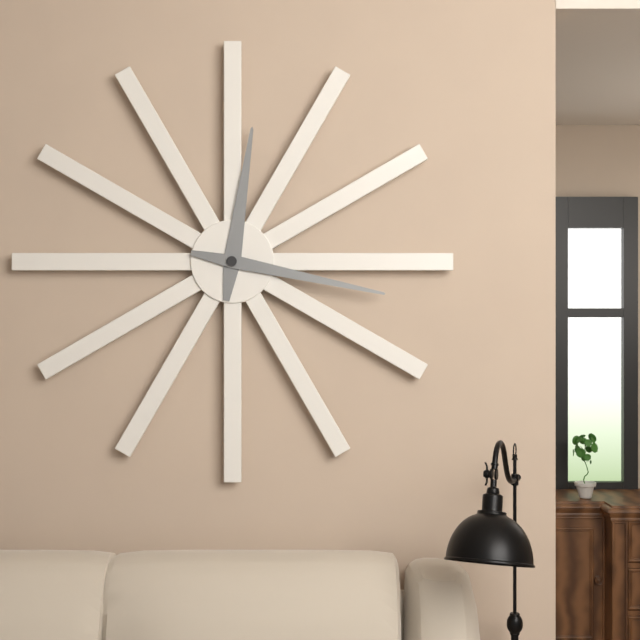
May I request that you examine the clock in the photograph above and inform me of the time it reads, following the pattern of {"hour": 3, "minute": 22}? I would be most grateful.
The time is {"hour": 12, "minute": 17}
